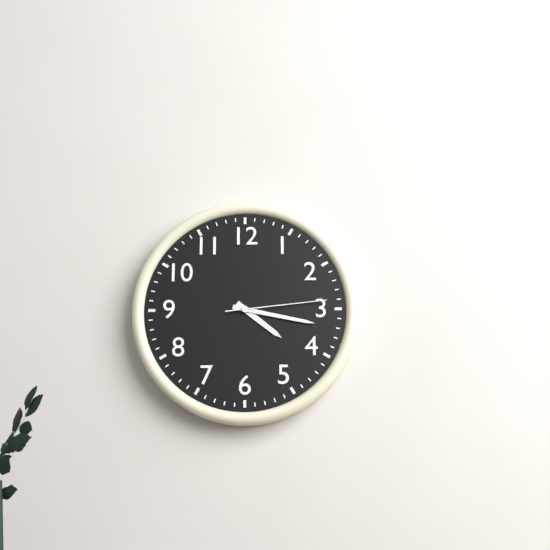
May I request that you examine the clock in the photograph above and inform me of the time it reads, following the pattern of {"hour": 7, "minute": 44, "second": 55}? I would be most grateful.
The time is {"hour": 4, "minute": 17, "second": 14}
